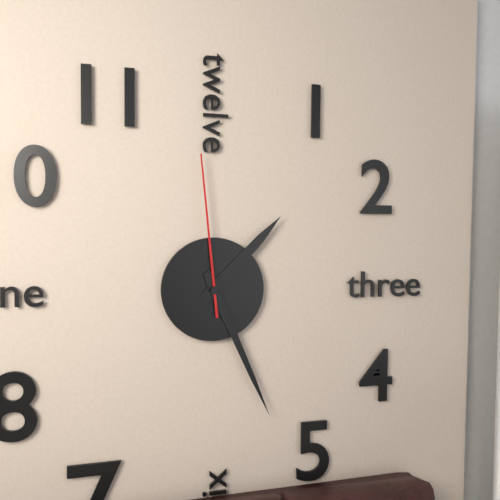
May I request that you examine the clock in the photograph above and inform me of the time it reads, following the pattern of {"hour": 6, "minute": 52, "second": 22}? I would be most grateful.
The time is {"hour": 1, "minute": 26, "second": 59}
